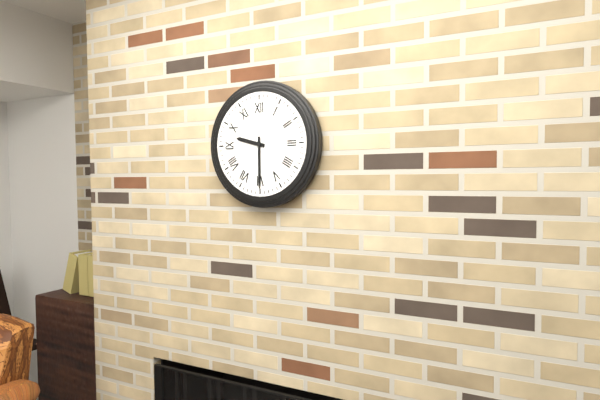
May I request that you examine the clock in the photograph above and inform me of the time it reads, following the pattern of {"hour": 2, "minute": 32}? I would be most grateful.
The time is {"hour": 9, "minute": 30}
